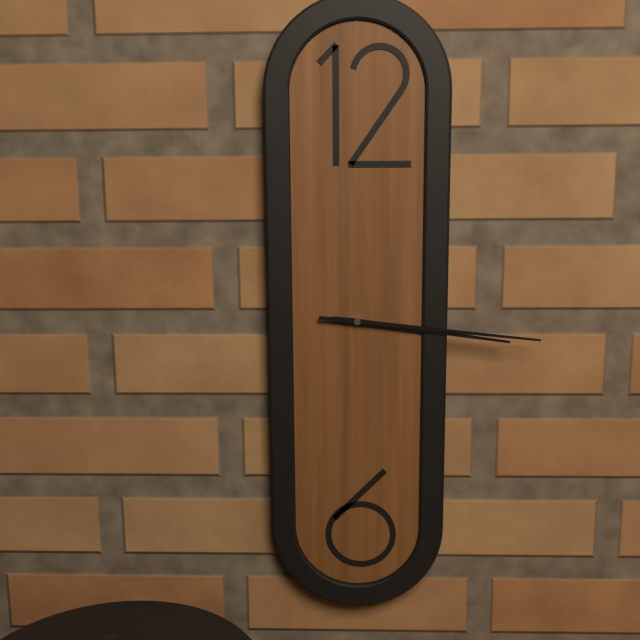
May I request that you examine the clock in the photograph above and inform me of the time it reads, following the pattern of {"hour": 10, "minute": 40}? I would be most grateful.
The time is {"hour": 3, "minute": 16}
